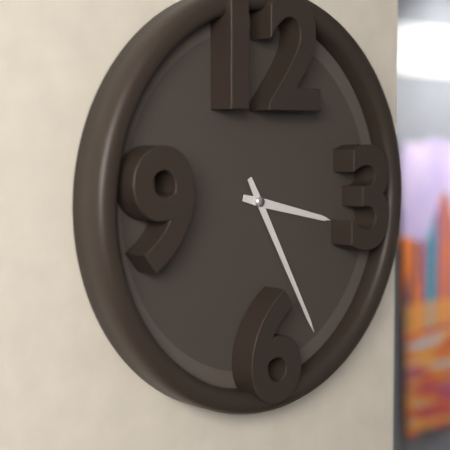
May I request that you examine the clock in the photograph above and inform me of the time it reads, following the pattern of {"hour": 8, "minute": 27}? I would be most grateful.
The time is {"hour": 3, "minute": 25}
